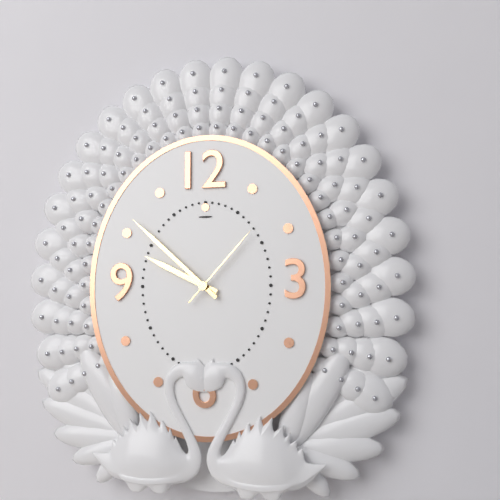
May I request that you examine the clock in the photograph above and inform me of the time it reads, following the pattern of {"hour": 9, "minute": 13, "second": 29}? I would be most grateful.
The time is {"hour": 9, "minute": 52, "second": 7}
